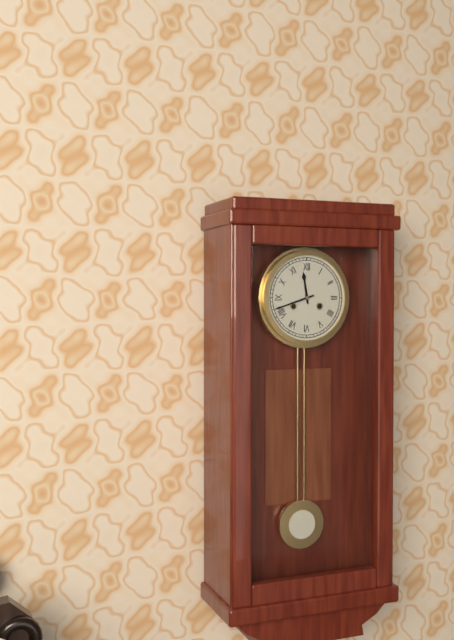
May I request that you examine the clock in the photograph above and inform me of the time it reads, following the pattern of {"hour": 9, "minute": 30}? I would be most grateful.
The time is {"hour": 11, "minute": 42}
